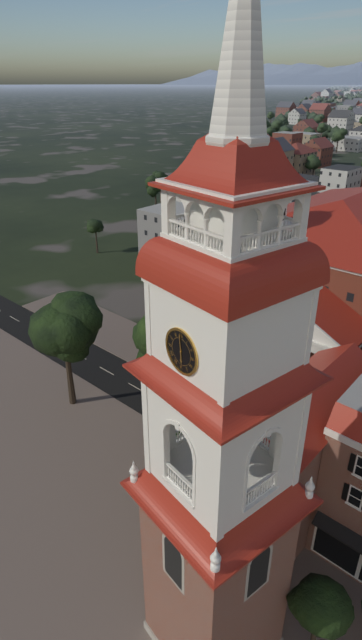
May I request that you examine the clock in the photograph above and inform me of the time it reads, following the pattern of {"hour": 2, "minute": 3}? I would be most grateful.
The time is {"hour": 5, "minute": 59}
